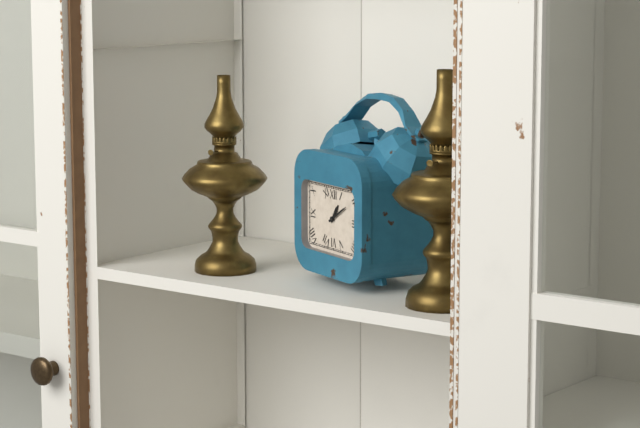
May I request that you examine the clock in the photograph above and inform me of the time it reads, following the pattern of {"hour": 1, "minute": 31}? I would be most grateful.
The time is {"hour": 1, "minute": 10}
